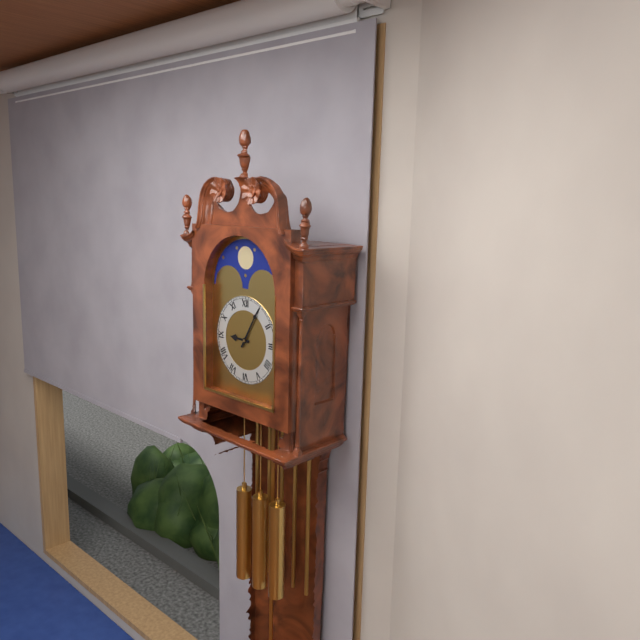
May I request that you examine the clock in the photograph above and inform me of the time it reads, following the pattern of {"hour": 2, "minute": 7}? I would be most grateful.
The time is {"hour": 9, "minute": 5}
